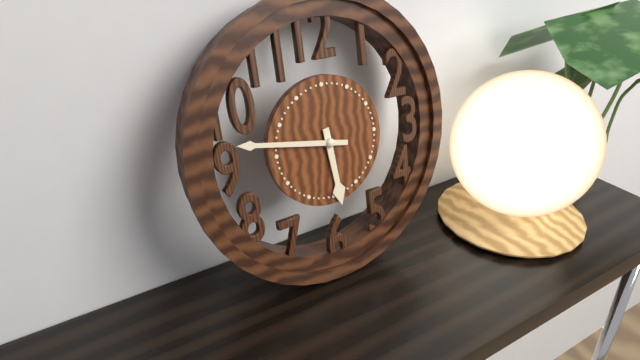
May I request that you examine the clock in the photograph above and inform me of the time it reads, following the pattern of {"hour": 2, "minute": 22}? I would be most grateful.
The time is {"hour": 5, "minute": 47}
